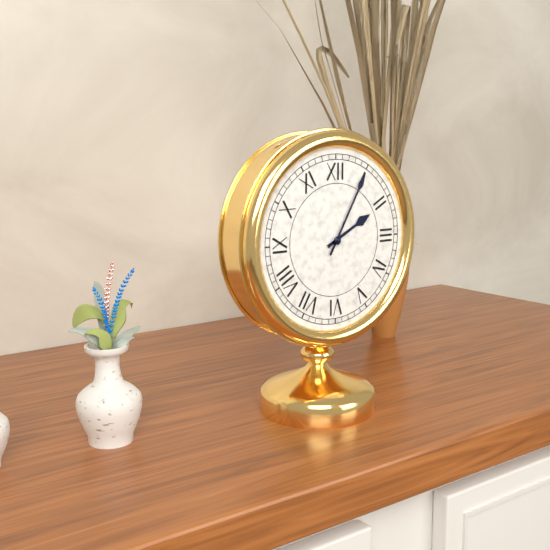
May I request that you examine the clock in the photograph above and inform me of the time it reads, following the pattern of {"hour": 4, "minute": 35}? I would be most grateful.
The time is {"hour": 2, "minute": 5}
